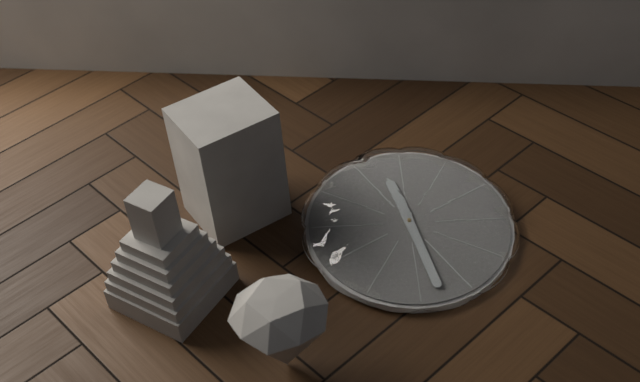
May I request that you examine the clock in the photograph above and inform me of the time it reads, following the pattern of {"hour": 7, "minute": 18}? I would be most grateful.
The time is {"hour": 12, "minute": 33}
